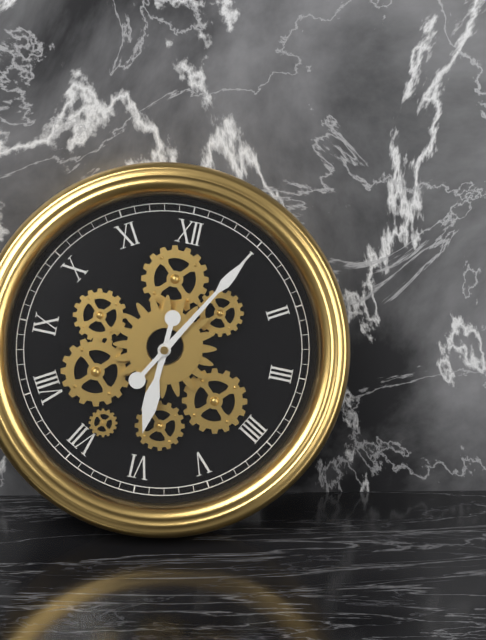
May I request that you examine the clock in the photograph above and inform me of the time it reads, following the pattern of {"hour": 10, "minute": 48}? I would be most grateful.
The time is {"hour": 6, "minute": 5}
